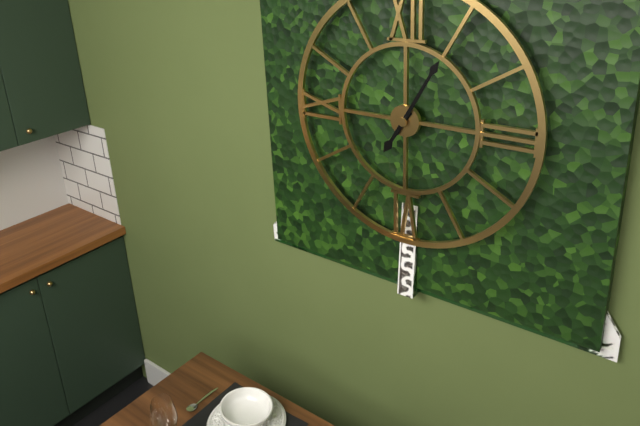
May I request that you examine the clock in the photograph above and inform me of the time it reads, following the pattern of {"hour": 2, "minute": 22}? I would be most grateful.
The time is {"hour": 7, "minute": 5}
